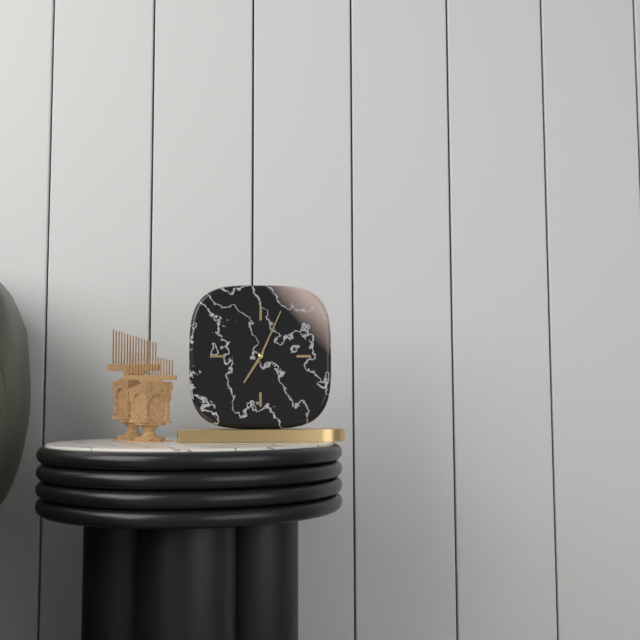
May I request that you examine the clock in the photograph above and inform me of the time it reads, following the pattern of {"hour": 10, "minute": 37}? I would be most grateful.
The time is {"hour": 7, "minute": 4}
